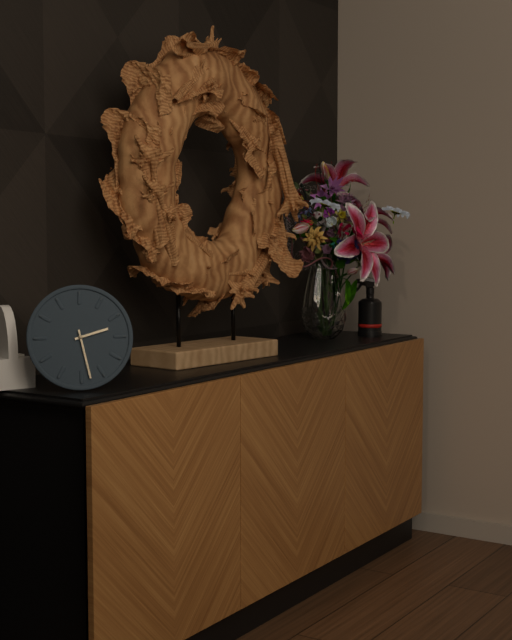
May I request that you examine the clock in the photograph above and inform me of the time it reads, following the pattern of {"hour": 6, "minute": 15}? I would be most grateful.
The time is {"hour": 2, "minute": 28}
